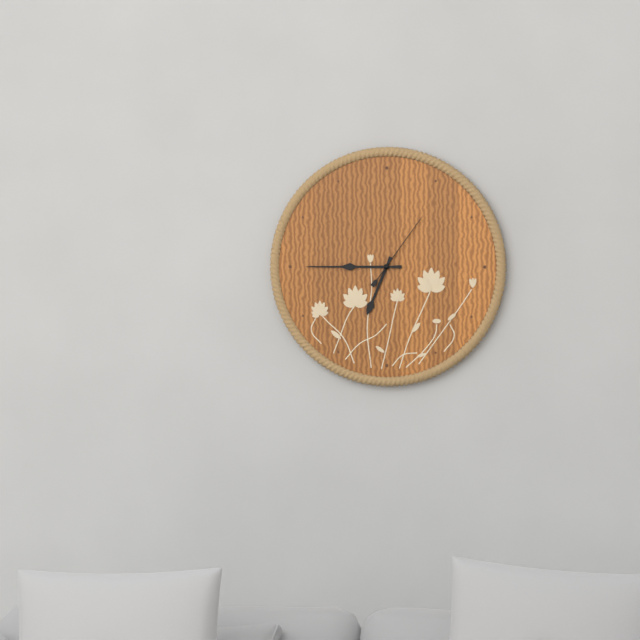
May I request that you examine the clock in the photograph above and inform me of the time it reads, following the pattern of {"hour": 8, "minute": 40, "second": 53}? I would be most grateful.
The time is {"hour": 6, "minute": 45, "second": 6}
